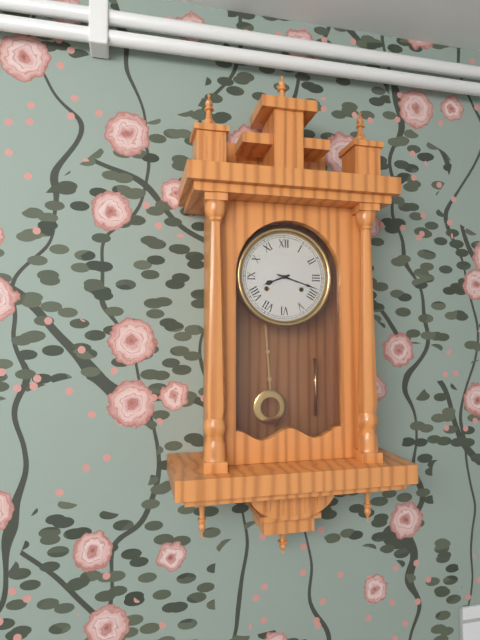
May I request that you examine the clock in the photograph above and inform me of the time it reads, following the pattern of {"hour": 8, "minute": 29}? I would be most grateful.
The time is {"hour": 8, "minute": 18}
